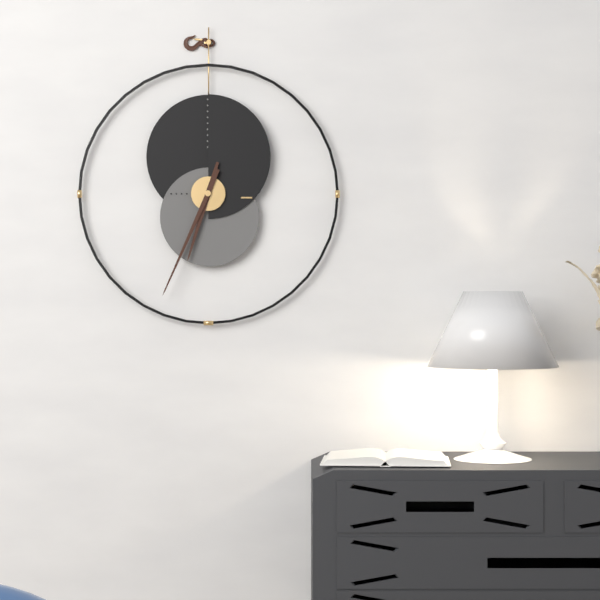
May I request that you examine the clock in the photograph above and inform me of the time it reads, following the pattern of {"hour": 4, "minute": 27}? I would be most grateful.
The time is {"hour": 6, "minute": 34}
